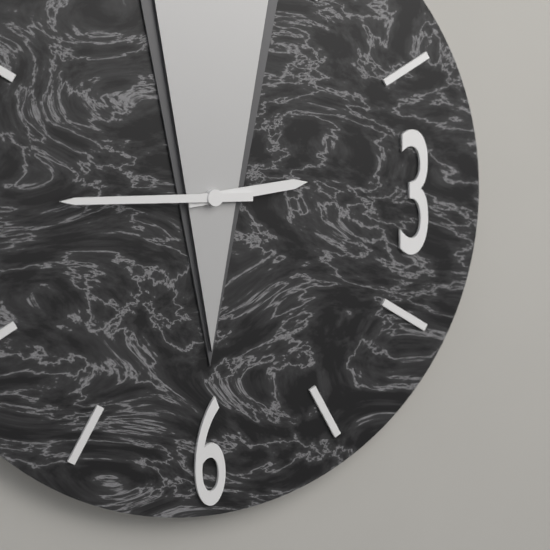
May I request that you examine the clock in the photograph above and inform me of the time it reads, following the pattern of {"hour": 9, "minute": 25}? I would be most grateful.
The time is {"hour": 2, "minute": 45}
